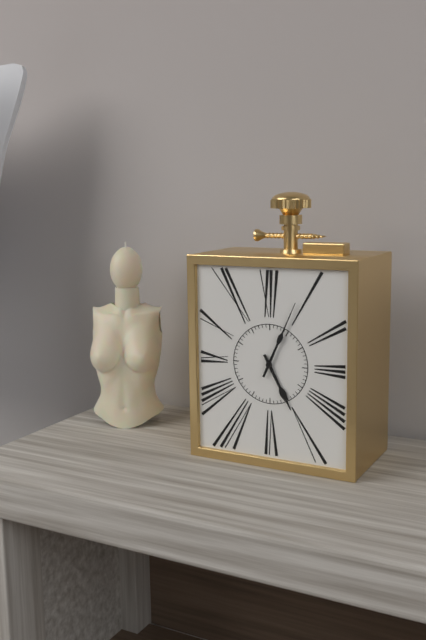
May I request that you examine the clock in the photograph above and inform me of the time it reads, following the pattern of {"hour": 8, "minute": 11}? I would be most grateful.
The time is {"hour": 5, "minute": 4}
